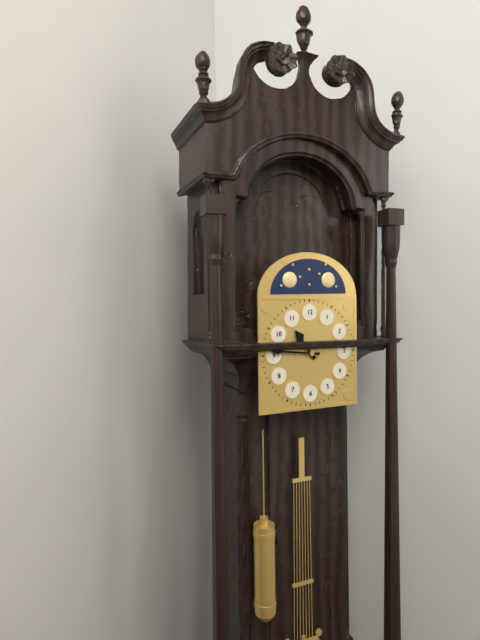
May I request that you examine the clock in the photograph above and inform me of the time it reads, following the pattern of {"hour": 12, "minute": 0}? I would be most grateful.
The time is {"hour": 10, "minute": 46}
